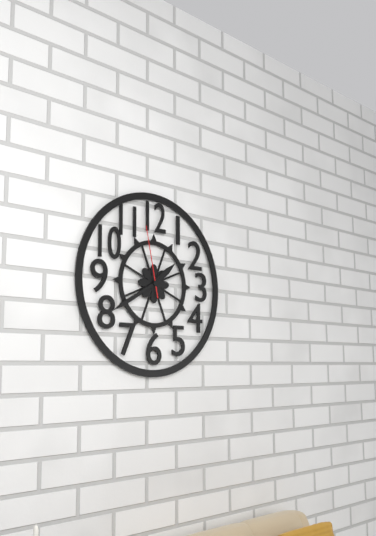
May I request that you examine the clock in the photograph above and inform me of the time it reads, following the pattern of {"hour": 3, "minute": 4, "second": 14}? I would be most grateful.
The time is {"hour": 1, "minute": 40, "second": 58}
